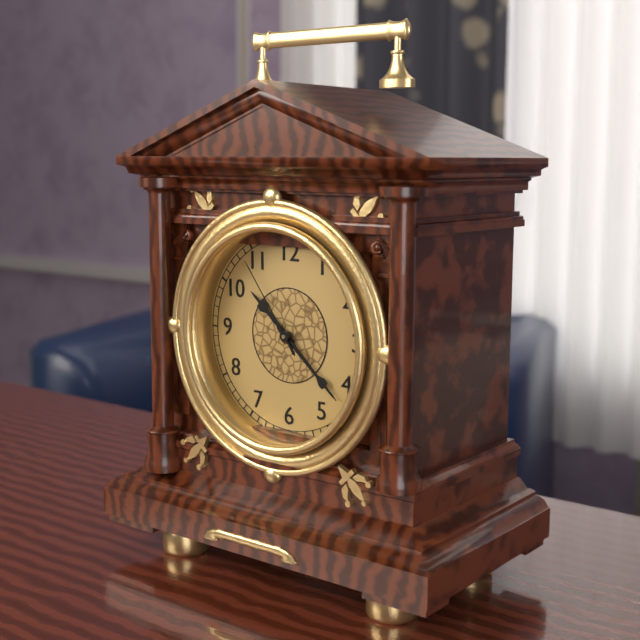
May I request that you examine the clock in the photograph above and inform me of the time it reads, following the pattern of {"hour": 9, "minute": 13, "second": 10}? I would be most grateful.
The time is {"hour": 10, "minute": 22, "second": 54}
